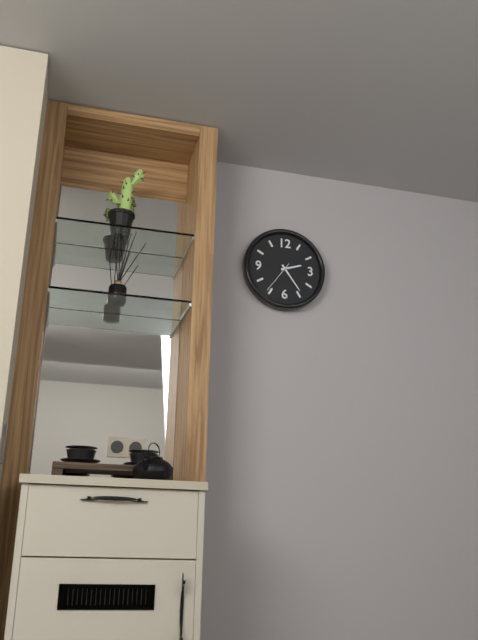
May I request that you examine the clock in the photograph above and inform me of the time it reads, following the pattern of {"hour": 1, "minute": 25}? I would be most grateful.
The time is {"hour": 2, "minute": 24}
